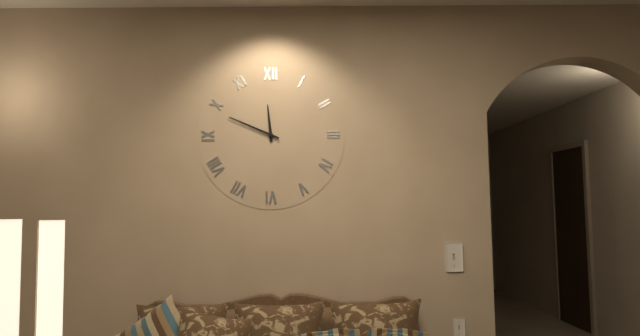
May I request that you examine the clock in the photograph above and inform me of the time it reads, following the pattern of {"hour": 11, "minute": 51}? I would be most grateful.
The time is {"hour": 11, "minute": 49}
